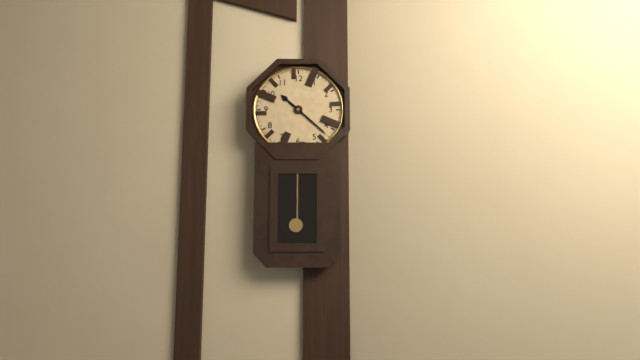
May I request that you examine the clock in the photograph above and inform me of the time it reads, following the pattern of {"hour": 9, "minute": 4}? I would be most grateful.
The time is {"hour": 10, "minute": 22}
